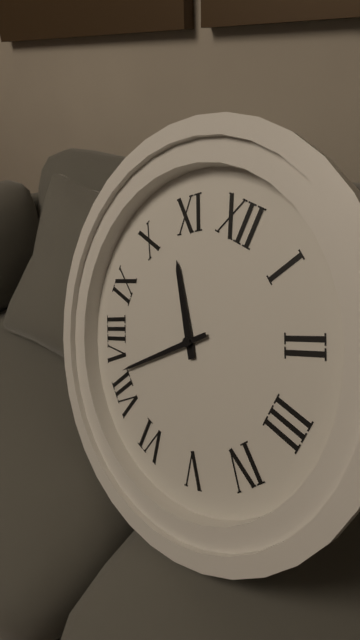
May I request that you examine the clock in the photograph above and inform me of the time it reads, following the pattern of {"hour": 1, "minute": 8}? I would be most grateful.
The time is {"hour": 10, "minute": 37}
